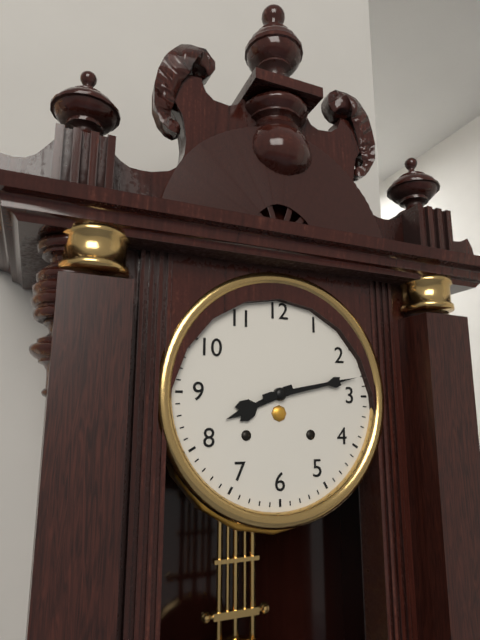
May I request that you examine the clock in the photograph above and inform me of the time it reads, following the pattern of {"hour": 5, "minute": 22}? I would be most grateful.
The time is {"hour": 8, "minute": 13}
